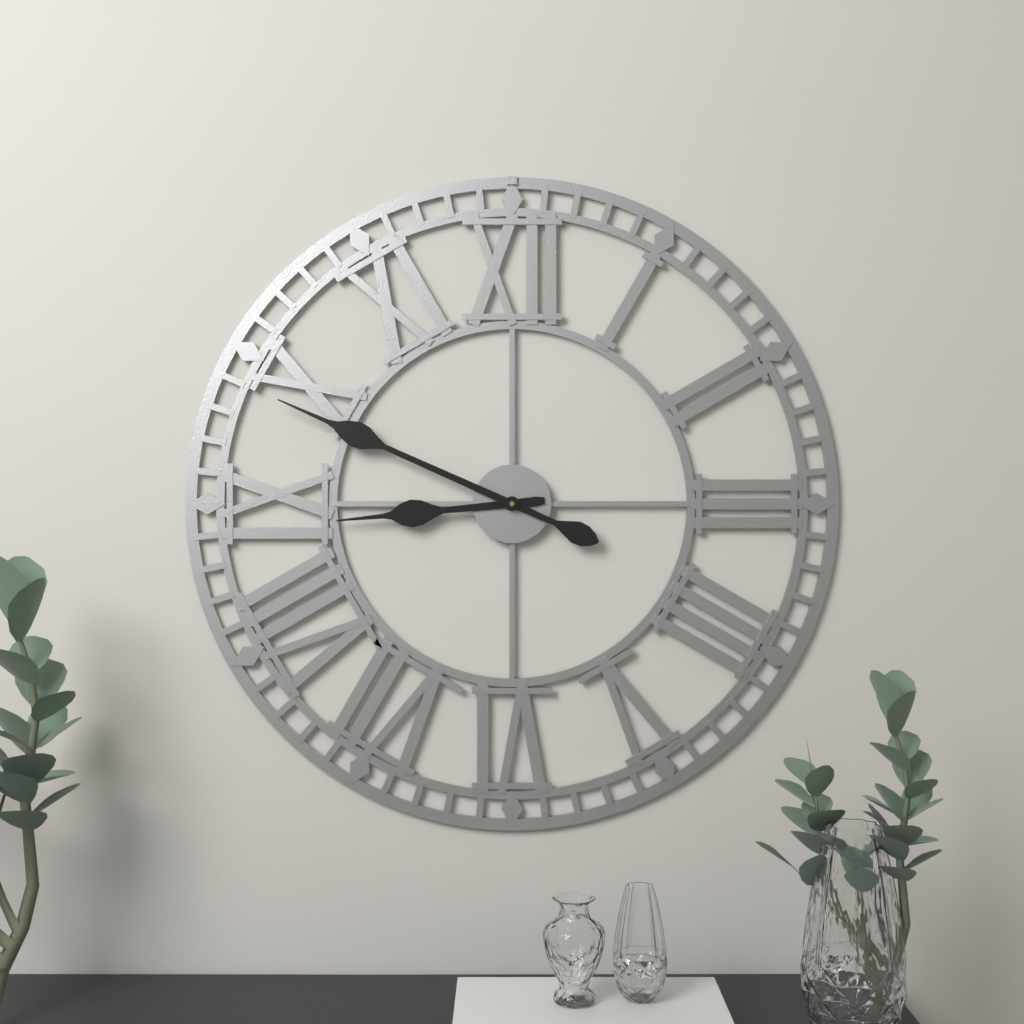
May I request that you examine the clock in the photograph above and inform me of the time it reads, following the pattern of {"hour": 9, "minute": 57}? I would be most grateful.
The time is {"hour": 8, "minute": 49}
